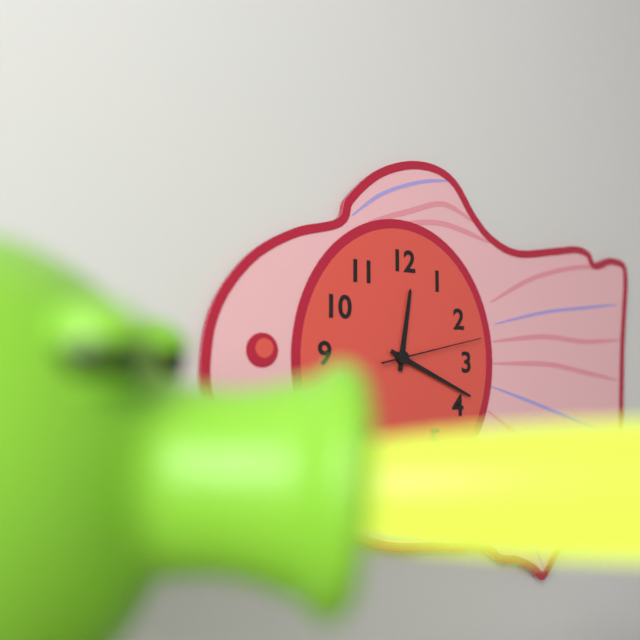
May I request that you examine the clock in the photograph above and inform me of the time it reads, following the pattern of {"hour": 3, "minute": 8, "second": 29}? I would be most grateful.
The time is {"hour": 12, "minute": 19, "second": 13}
